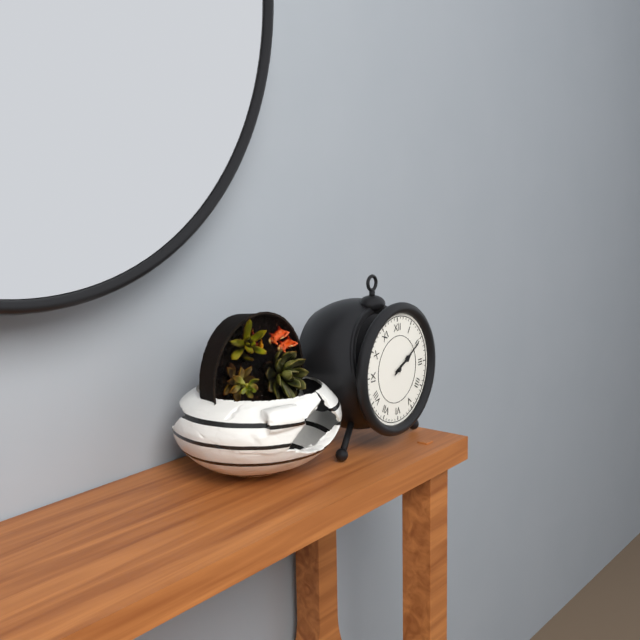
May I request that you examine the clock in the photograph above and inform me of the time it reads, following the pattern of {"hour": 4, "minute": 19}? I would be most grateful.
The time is {"hour": 2, "minute": 10}
